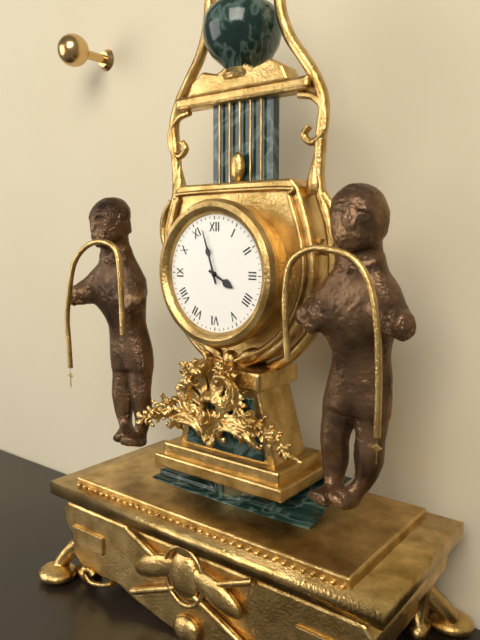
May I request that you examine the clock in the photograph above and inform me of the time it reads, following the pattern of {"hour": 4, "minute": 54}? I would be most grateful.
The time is {"hour": 3, "minute": 57}
